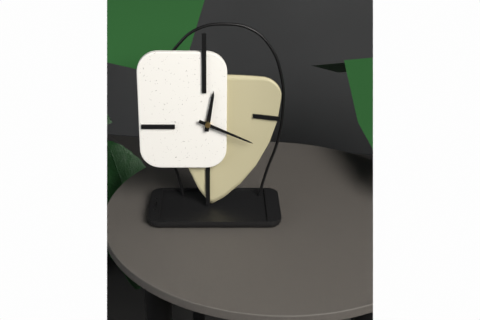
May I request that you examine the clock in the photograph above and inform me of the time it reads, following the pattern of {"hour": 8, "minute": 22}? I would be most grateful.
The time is {"hour": 12, "minute": 19}
